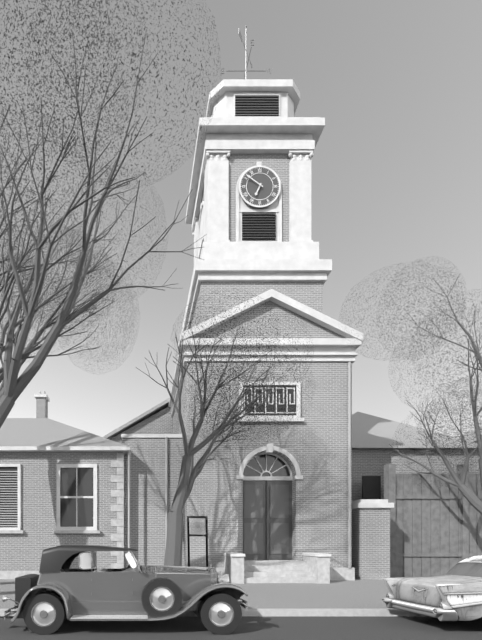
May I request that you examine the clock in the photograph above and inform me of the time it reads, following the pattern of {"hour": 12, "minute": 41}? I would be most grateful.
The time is {"hour": 6, "minute": 51}
